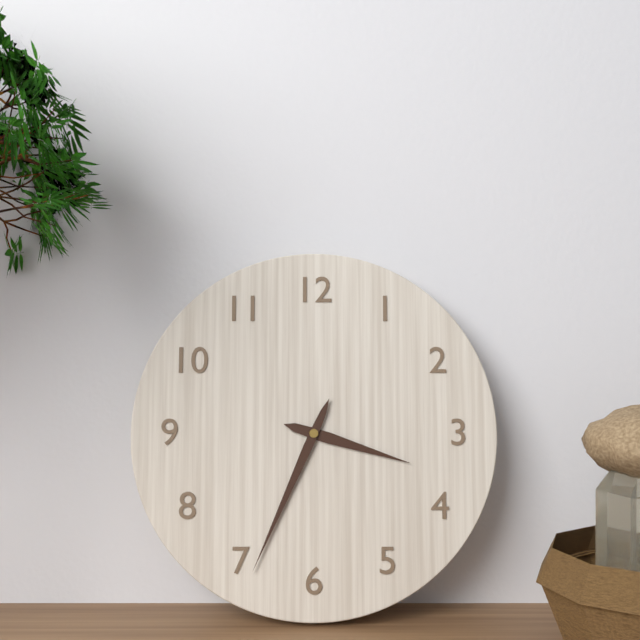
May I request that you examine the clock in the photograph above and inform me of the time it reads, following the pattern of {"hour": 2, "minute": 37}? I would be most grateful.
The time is {"hour": 3, "minute": 34}
